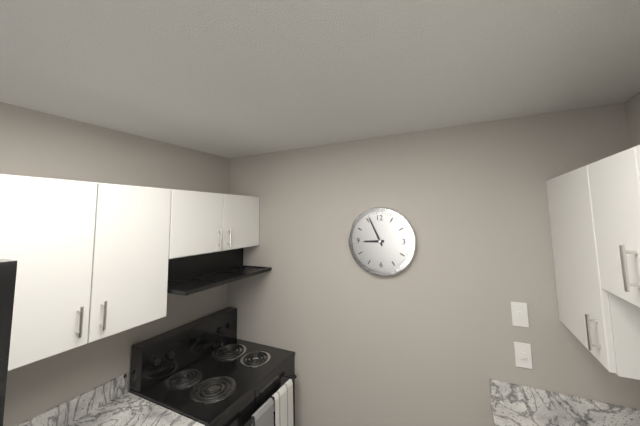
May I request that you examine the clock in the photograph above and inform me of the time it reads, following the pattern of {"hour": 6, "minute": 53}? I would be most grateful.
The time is {"hour": 8, "minute": 56}
